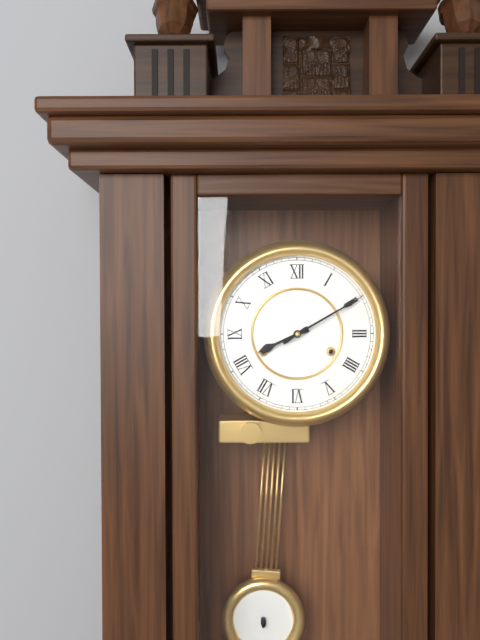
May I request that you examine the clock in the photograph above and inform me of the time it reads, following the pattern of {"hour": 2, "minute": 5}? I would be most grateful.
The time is {"hour": 8, "minute": 10}
